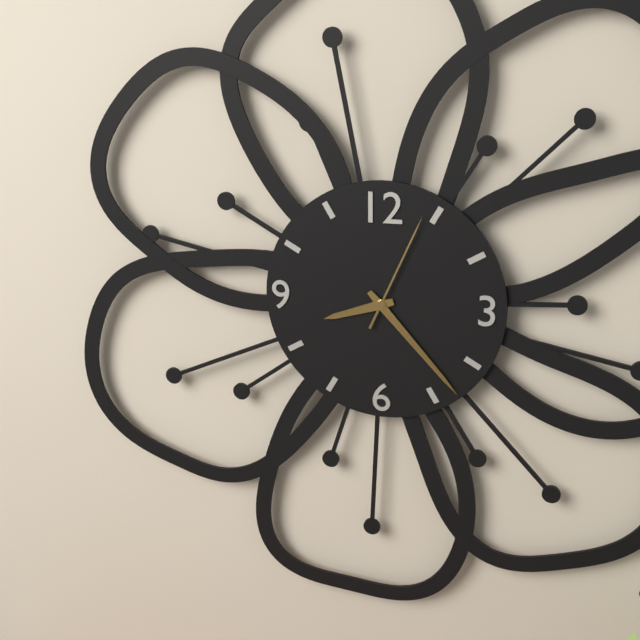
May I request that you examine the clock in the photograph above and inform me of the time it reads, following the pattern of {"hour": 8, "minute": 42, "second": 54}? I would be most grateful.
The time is {"hour": 8, "minute": 23, "second": 4}
